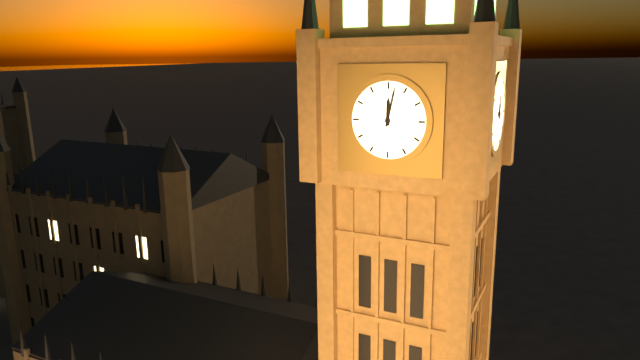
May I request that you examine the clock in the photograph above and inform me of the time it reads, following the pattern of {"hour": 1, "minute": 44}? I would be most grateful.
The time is {"hour": 12, "minute": 2}
